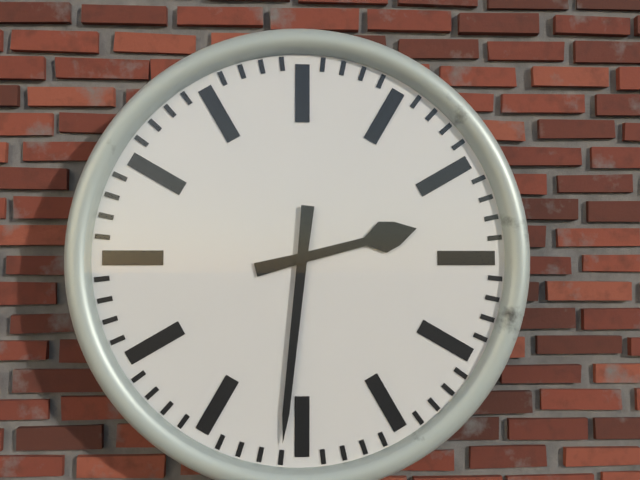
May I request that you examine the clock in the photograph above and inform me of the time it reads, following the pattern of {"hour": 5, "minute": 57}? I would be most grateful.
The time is {"hour": 2, "minute": 31}
